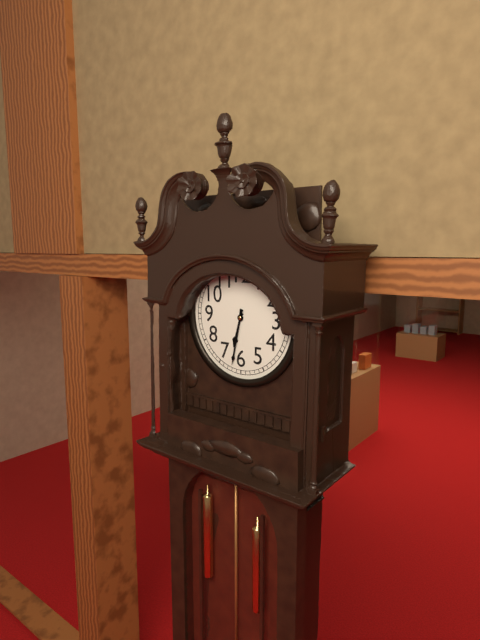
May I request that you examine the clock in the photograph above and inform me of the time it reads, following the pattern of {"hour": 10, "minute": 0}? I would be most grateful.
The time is {"hour": 6, "minute": 32}
